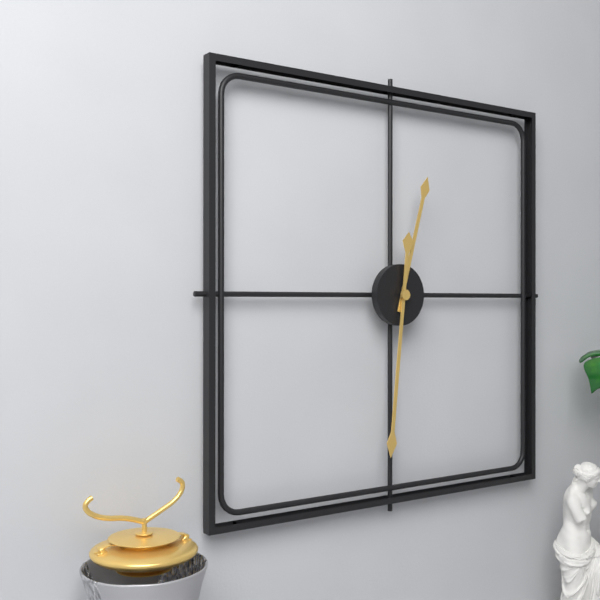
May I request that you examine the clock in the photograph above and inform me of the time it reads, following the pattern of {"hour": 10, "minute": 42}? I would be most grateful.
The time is {"hour": 12, "minute": 31}
